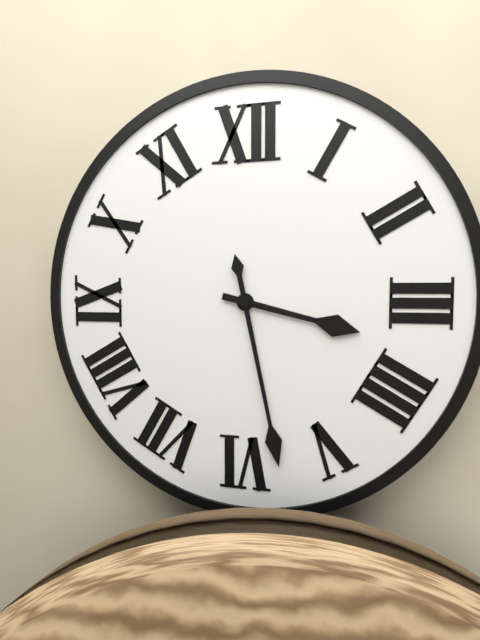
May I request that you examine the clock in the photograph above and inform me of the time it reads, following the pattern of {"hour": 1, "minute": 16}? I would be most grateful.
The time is {"hour": 3, "minute": 28}
